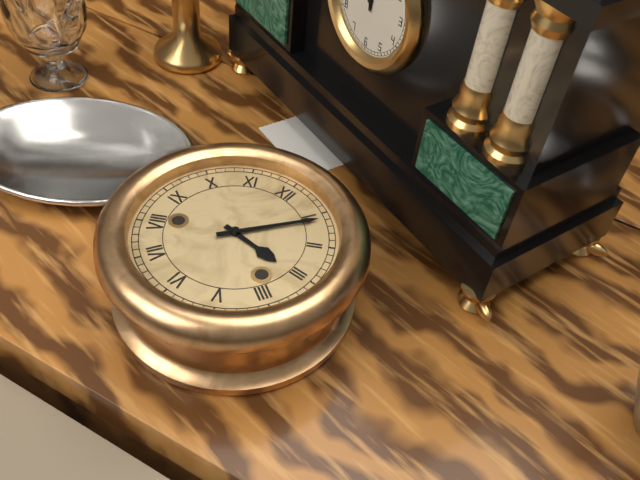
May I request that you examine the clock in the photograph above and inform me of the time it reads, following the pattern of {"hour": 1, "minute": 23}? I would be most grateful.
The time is {"hour": 3, "minute": 6}
